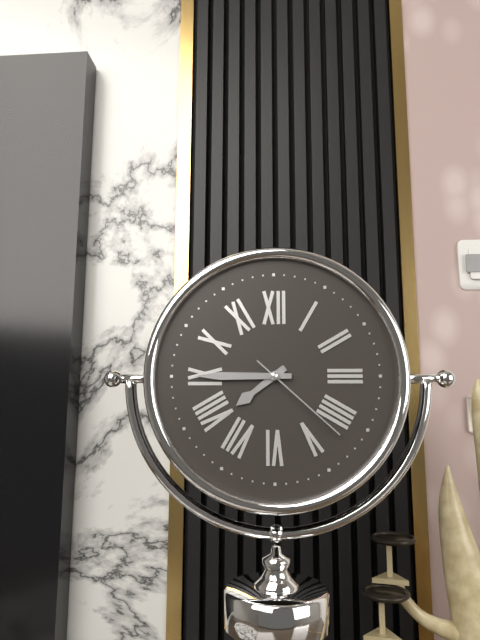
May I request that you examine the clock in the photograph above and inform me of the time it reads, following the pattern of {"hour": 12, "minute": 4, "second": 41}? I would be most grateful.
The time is {"hour": 7, "minute": 45, "second": 22}
